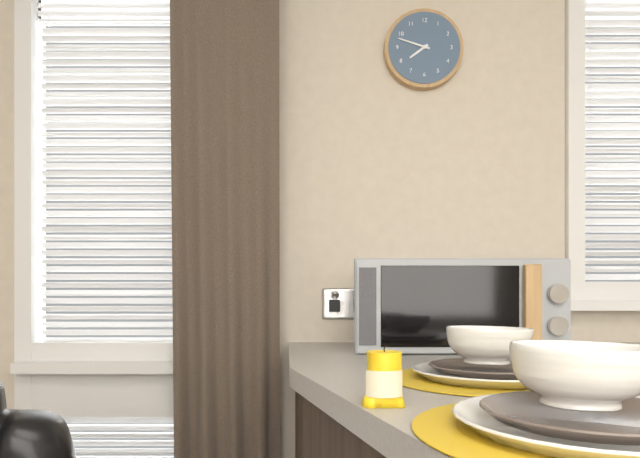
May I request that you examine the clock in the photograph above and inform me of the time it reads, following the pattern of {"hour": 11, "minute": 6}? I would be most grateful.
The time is {"hour": 7, "minute": 48}
